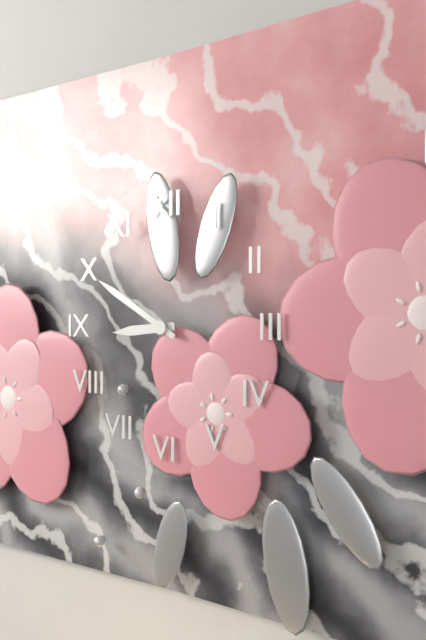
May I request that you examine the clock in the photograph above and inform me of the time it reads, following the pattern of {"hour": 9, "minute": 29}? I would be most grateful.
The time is {"hour": 8, "minute": 50}
